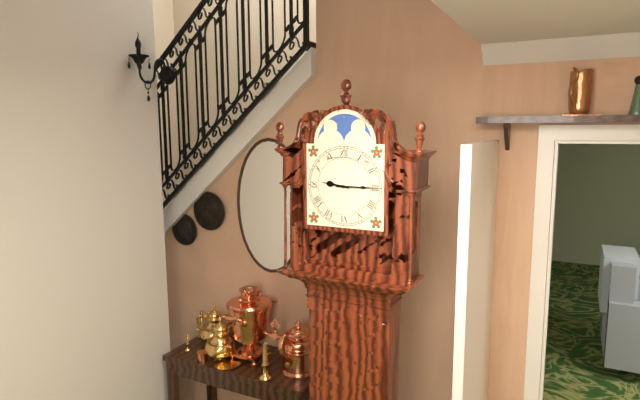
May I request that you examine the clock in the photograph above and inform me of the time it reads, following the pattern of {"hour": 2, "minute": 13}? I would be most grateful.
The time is {"hour": 9, "minute": 15}
